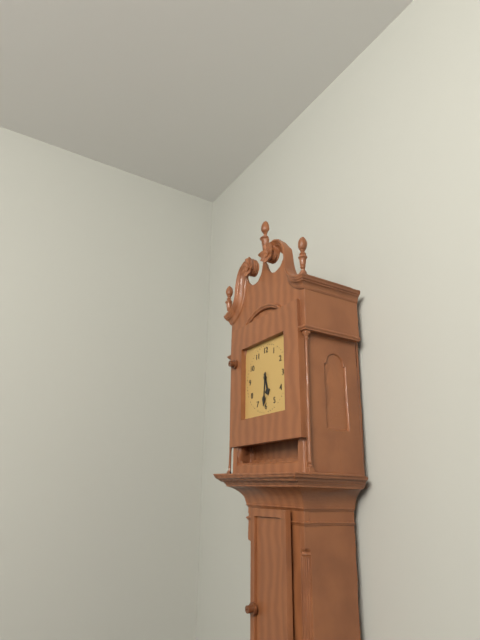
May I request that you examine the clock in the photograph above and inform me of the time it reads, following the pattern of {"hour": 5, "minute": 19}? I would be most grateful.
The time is {"hour": 5, "minute": 31}
